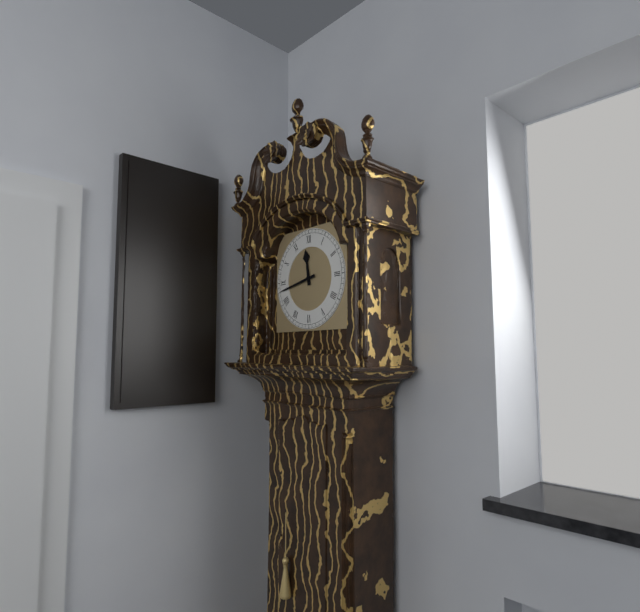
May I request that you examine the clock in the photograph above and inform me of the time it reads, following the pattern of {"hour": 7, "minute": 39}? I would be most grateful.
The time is {"hour": 11, "minute": 43}
